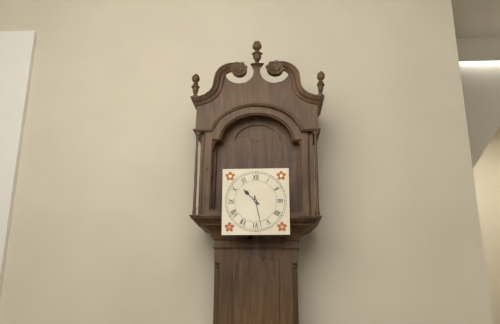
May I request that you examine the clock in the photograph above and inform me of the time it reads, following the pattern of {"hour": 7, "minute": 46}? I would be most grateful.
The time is {"hour": 10, "minute": 28}
